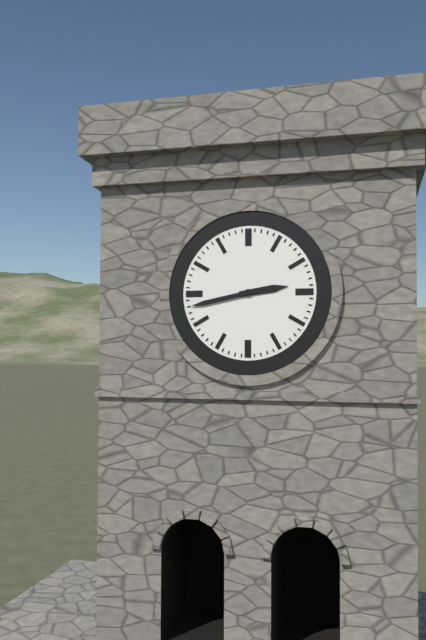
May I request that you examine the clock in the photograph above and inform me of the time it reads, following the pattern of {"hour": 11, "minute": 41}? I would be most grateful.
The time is {"hour": 2, "minute": 43}
